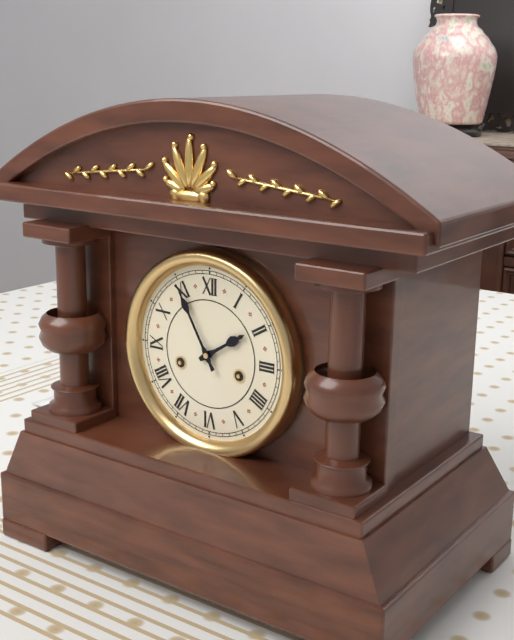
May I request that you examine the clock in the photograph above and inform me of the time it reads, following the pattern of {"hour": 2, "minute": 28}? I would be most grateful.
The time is {"hour": 1, "minute": 55}
